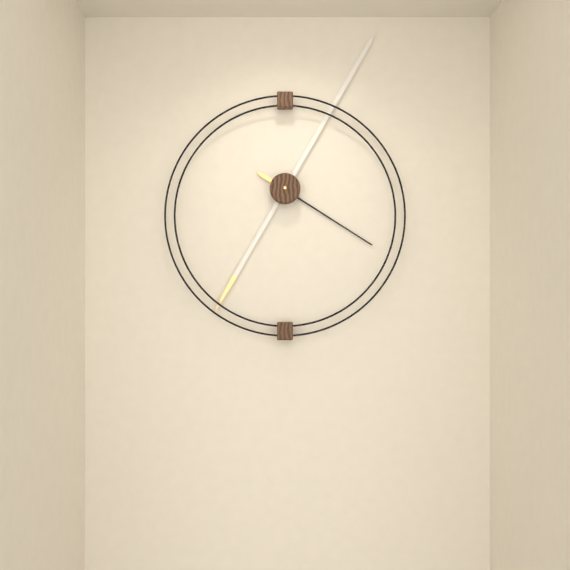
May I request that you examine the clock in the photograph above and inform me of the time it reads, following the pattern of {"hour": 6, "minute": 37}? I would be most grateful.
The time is {"hour": 4, "minute": 5}
